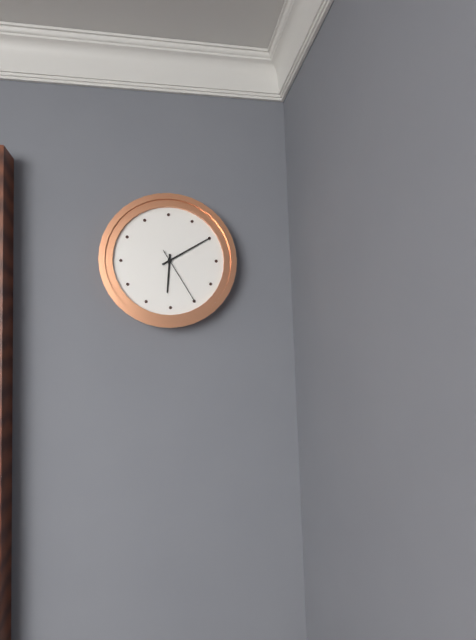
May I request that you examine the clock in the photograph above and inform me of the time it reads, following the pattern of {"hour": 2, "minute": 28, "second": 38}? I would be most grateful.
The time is {"hour": 6, "minute": 10, "second": 25}
